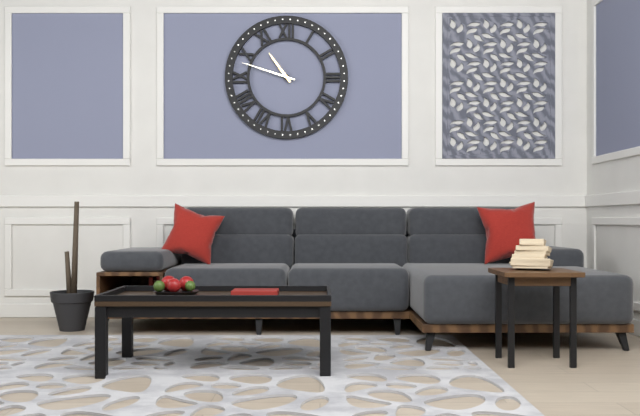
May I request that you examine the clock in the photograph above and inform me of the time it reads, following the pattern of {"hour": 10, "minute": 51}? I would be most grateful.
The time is {"hour": 10, "minute": 48}
